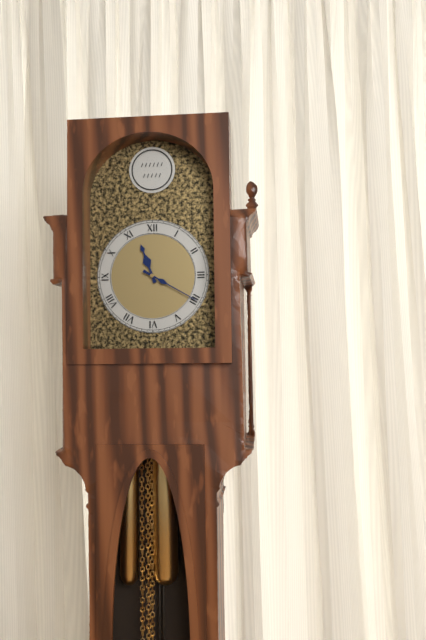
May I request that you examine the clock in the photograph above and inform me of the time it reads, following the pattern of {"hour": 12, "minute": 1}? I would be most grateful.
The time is {"hour": 11, "minute": 20}
